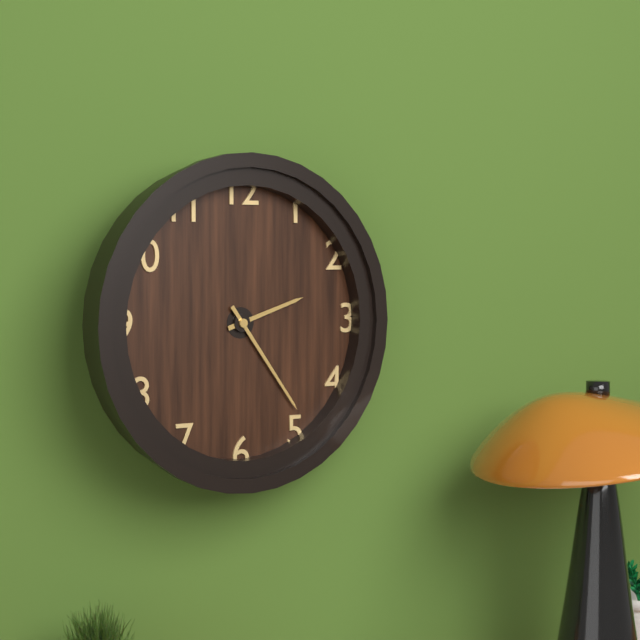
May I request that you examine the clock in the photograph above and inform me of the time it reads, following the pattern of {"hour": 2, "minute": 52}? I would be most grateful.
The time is {"hour": 2, "minute": 24}
